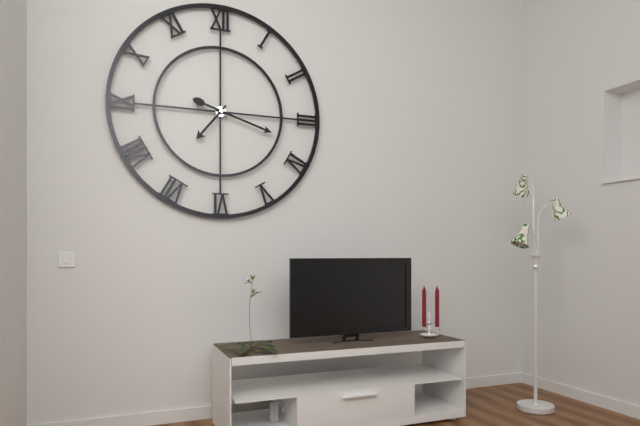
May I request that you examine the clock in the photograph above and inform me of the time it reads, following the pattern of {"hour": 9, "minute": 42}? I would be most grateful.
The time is {"hour": 7, "minute": 18}
